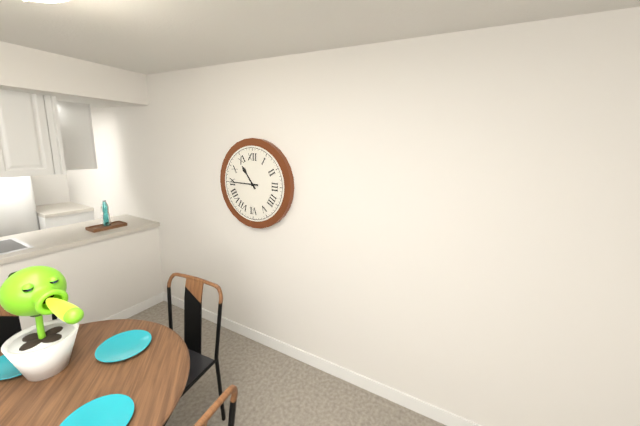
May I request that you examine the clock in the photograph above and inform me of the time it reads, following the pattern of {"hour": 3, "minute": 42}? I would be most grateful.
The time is {"hour": 10, "minute": 45}
